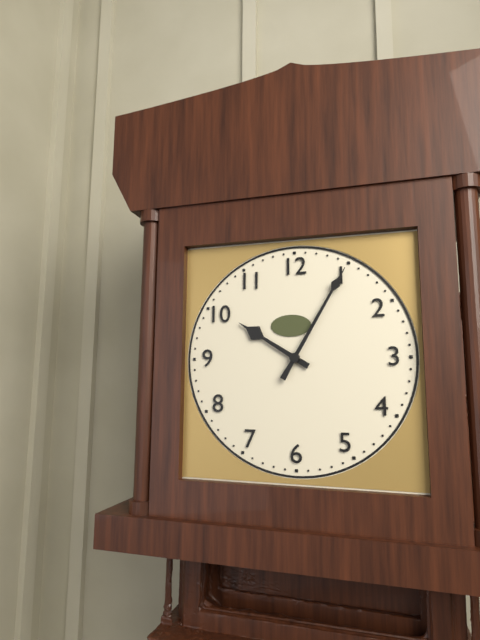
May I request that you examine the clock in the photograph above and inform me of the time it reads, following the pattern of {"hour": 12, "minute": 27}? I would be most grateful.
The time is {"hour": 10, "minute": 5}
